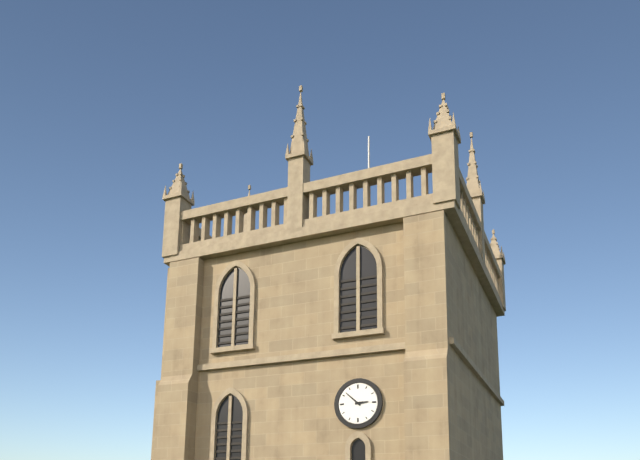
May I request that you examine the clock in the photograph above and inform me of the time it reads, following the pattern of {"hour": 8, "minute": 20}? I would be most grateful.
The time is {"hour": 2, "minute": 52}
